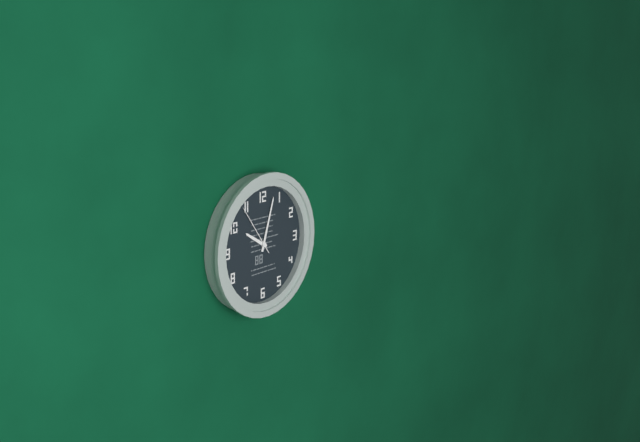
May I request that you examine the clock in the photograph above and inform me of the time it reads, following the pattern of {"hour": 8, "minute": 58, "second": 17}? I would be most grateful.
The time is {"hour": 10, "minute": 3, "second": 54}
